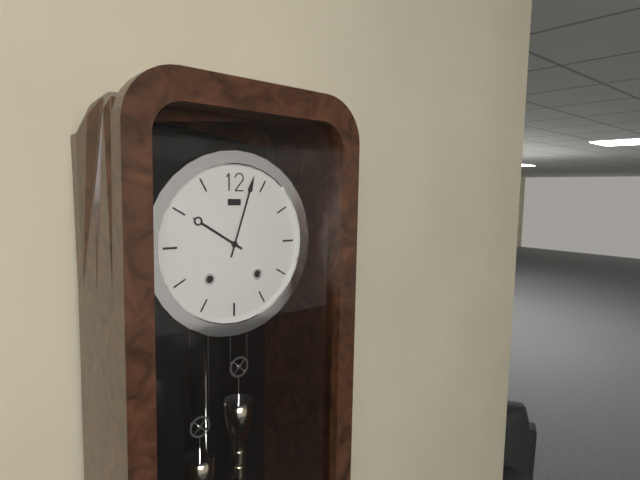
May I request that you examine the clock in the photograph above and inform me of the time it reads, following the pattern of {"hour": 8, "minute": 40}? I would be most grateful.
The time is {"hour": 10, "minute": 3}
